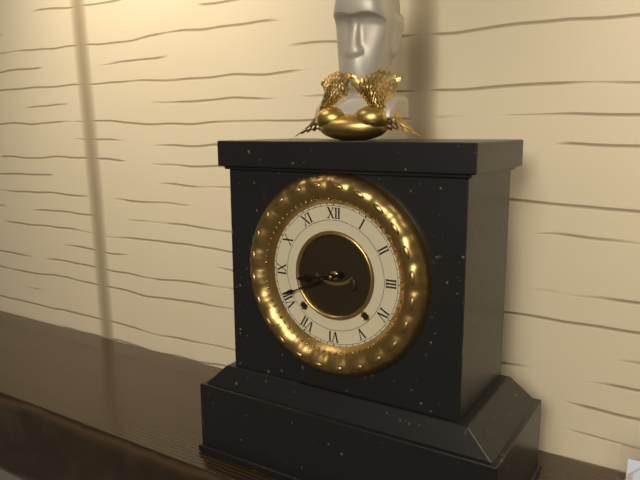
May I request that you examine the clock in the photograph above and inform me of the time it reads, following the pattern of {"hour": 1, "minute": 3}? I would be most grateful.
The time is {"hour": 8, "minute": 41}
